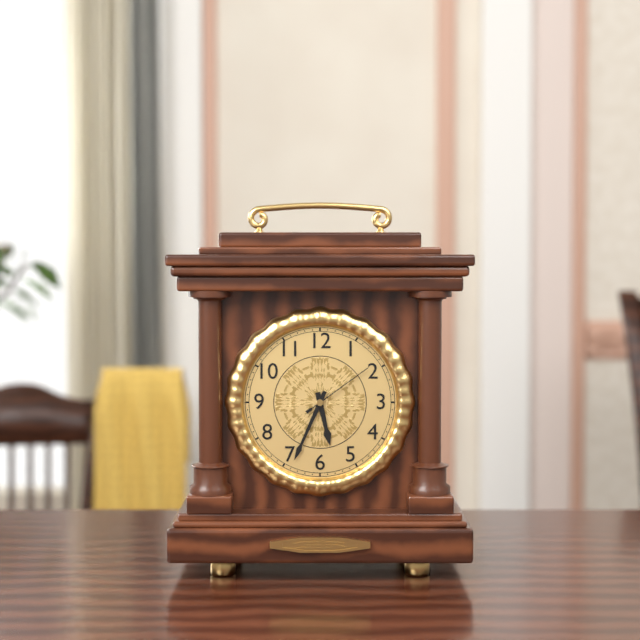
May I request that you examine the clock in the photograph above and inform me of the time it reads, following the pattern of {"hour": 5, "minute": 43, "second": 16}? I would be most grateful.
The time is {"hour": 5, "minute": 34, "second": 9}
